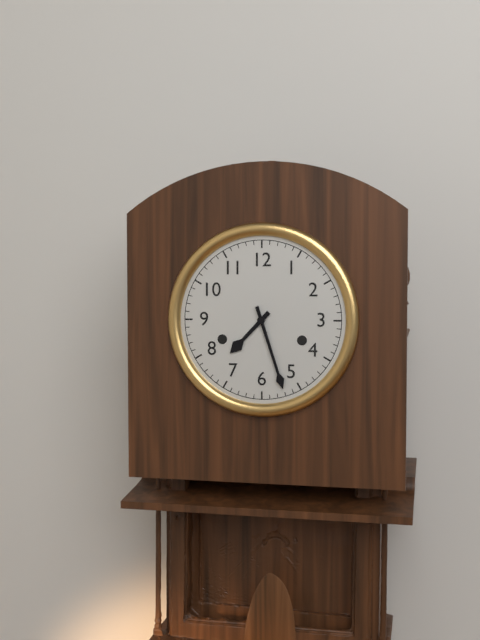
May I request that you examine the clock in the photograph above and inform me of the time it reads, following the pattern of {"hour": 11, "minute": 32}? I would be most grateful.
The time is {"hour": 7, "minute": 27}
